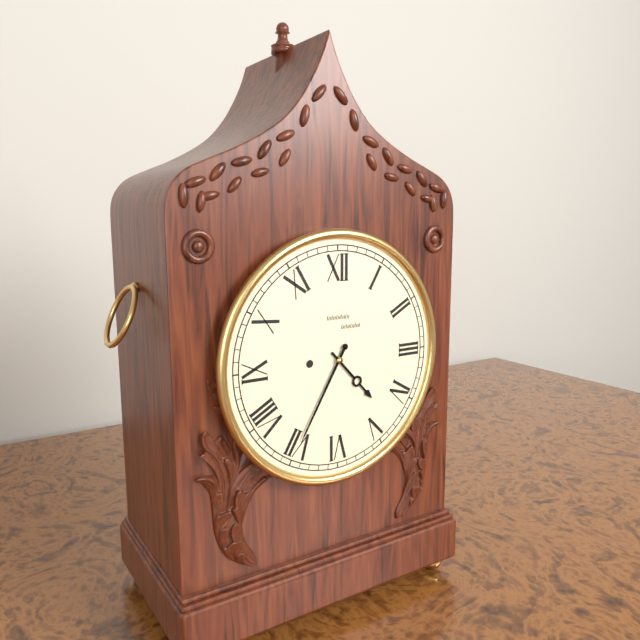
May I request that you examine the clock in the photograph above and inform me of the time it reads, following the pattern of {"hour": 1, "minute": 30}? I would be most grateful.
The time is {"hour": 4, "minute": 35}
